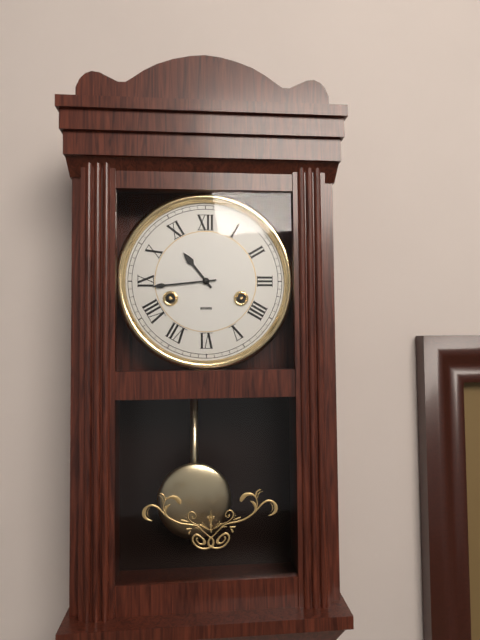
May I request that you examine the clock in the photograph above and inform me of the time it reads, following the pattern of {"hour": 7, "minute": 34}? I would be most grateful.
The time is {"hour": 10, "minute": 44}
